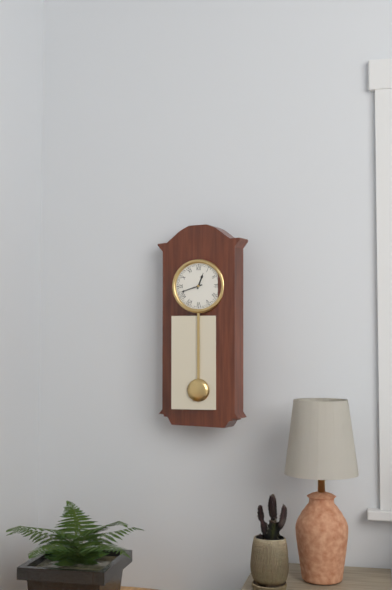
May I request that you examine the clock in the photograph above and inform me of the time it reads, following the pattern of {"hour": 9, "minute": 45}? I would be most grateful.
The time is {"hour": 12, "minute": 42}
